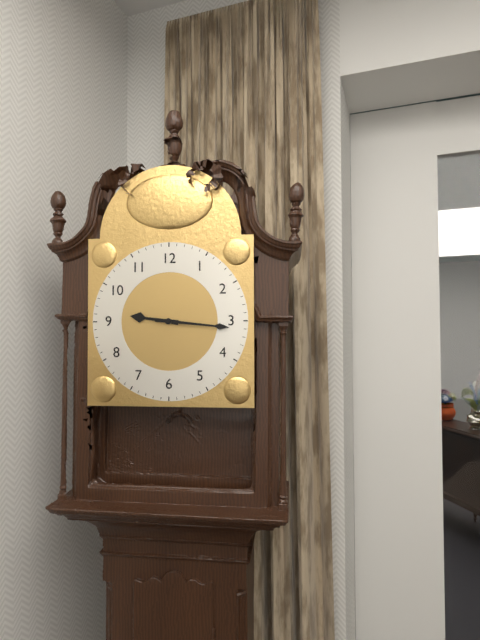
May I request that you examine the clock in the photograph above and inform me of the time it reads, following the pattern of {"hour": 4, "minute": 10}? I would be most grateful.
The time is {"hour": 9, "minute": 16}
